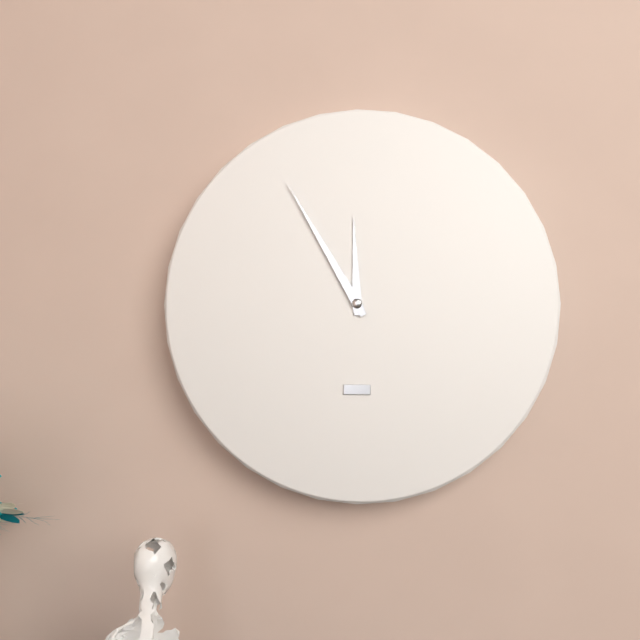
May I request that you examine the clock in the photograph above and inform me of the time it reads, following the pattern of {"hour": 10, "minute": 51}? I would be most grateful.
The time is {"hour": 11, "minute": 55}
